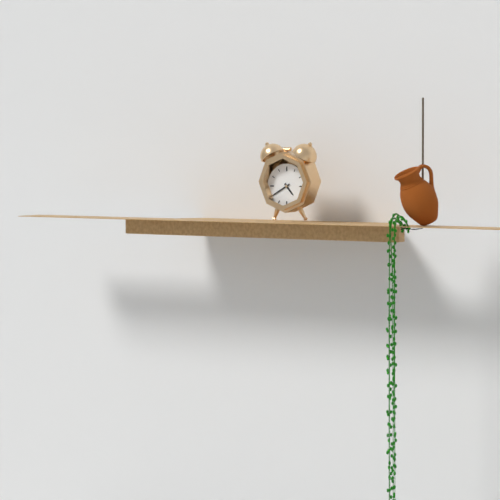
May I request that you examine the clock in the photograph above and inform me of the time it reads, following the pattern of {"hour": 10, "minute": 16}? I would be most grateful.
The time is {"hour": 4, "minute": 40}
